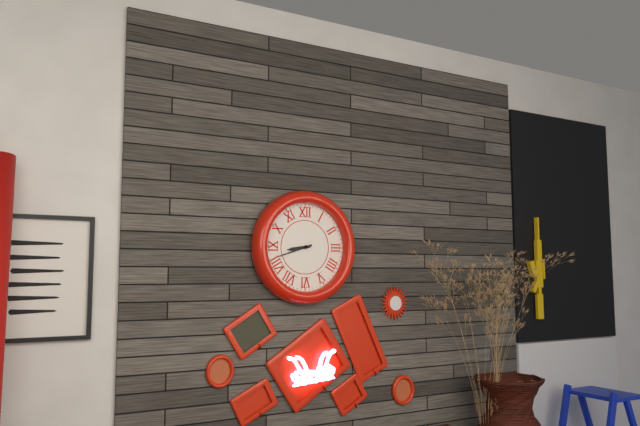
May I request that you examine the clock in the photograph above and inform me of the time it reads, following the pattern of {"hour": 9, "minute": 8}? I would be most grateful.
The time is {"hour": 8, "minute": 42}
